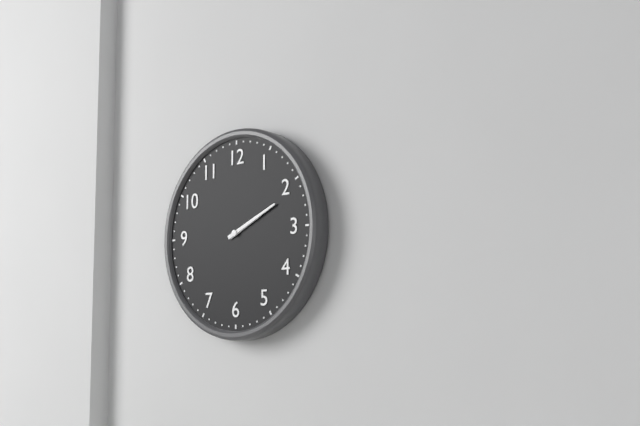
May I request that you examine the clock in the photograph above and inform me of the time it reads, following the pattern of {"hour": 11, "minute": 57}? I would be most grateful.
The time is {"hour": 2, "minute": 11}
